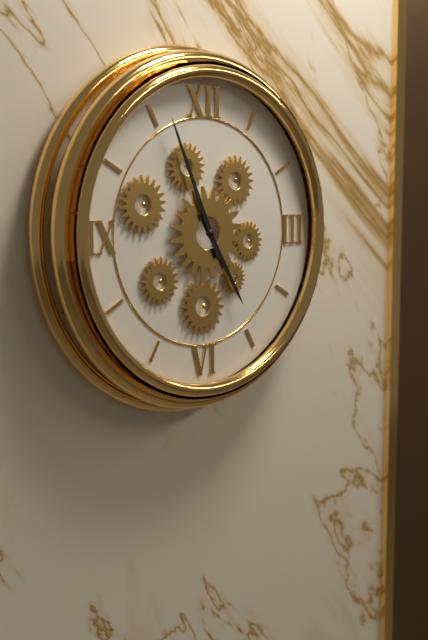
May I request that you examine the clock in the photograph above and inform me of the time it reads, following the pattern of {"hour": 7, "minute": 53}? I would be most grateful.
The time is {"hour": 4, "minute": 56}
